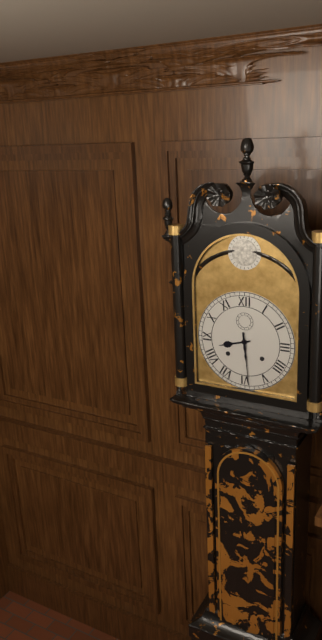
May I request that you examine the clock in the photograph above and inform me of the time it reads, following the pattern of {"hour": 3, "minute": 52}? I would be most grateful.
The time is {"hour": 8, "minute": 29}
